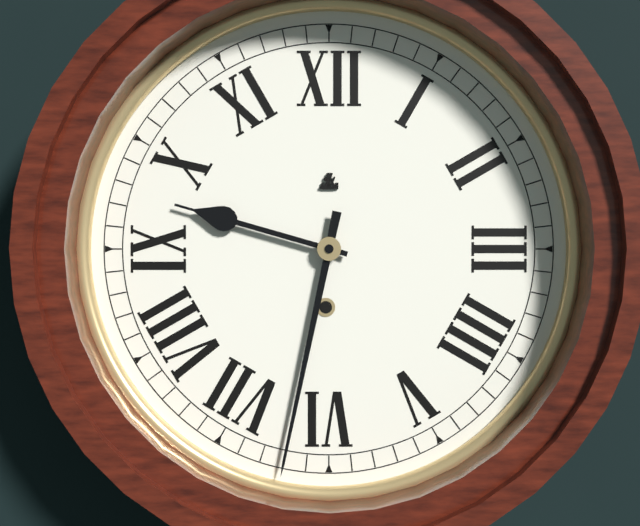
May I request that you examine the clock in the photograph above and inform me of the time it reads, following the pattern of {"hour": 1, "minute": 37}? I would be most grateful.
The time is {"hour": 9, "minute": 32}
